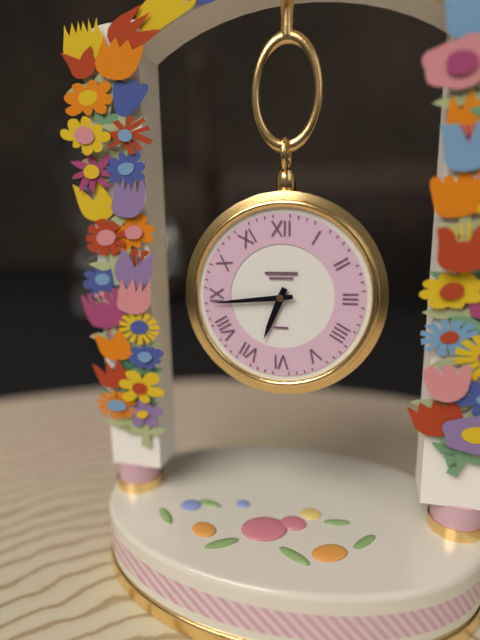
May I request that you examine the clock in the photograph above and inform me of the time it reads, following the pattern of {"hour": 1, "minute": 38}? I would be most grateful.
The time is {"hour": 6, "minute": 44}
